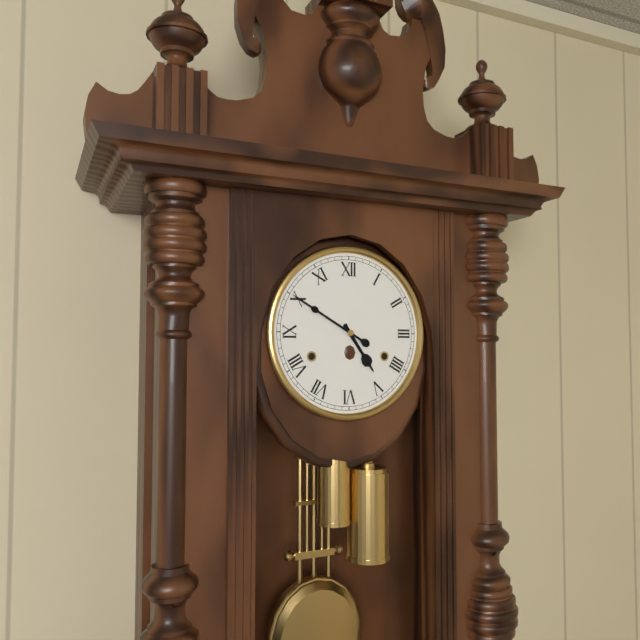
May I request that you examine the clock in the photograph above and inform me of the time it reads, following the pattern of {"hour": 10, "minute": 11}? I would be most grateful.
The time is {"hour": 4, "minute": 50}
